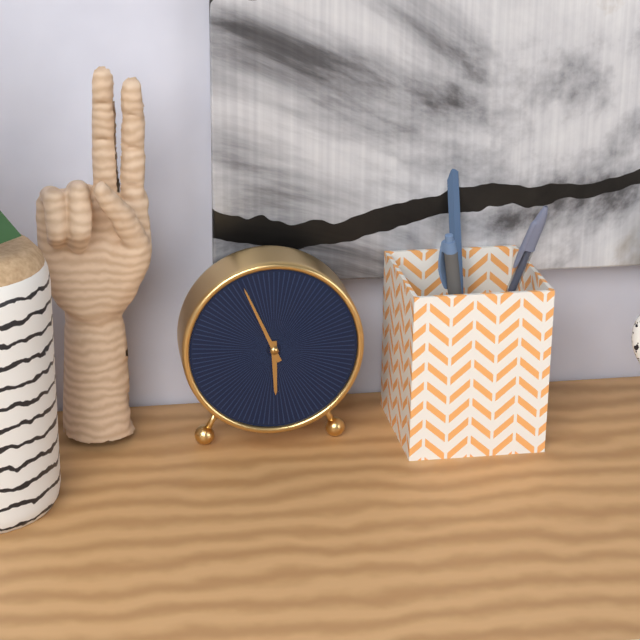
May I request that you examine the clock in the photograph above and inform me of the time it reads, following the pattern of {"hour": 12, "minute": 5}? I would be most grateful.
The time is {"hour": 5, "minute": 56}
